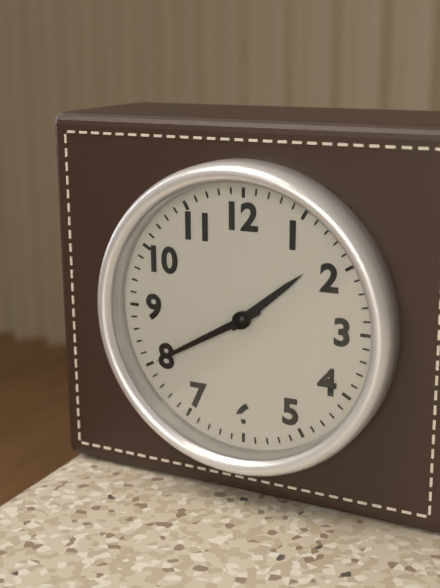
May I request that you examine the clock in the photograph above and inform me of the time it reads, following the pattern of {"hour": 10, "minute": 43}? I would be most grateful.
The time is {"hour": 1, "minute": 40}
